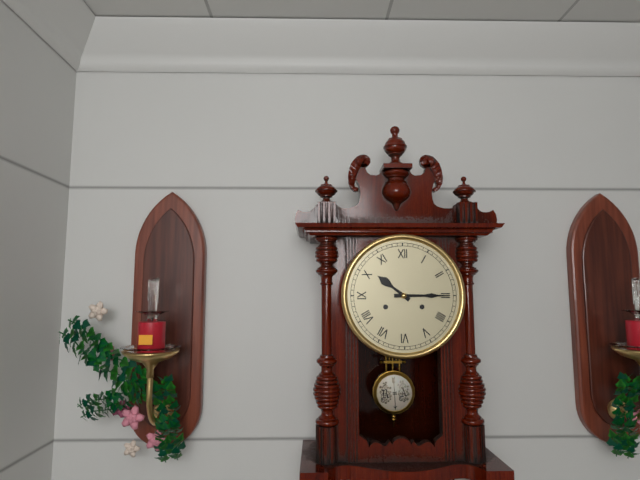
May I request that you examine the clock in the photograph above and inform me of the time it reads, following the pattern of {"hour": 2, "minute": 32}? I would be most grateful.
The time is {"hour": 10, "minute": 15}
